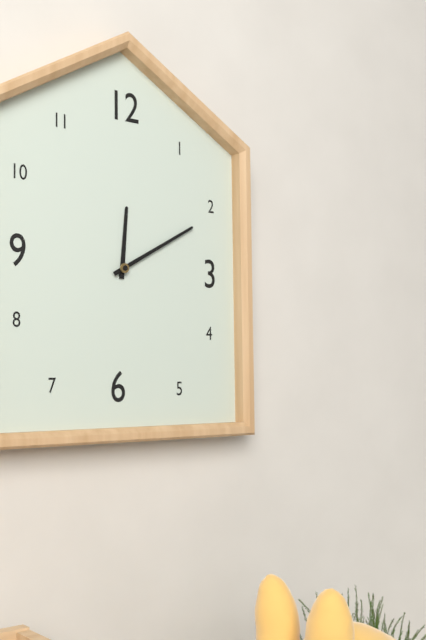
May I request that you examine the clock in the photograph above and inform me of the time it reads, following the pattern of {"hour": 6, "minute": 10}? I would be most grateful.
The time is {"hour": 12, "minute": 10}
